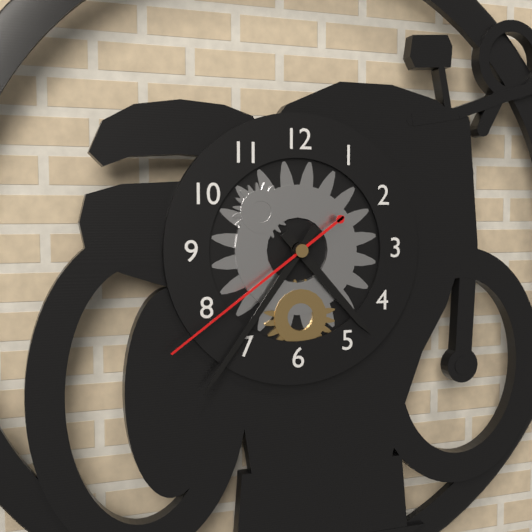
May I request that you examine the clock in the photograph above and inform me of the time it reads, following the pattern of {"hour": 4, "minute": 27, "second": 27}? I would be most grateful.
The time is {"hour": 4, "minute": 36, "second": 39}
